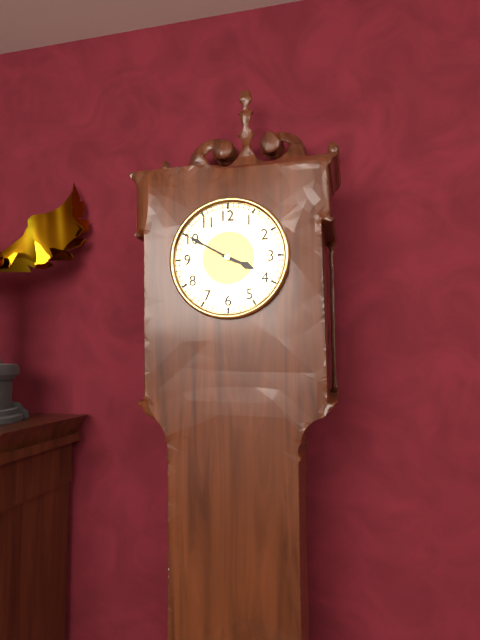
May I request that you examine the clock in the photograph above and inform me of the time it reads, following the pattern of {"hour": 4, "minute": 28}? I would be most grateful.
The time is {"hour": 3, "minute": 50}
